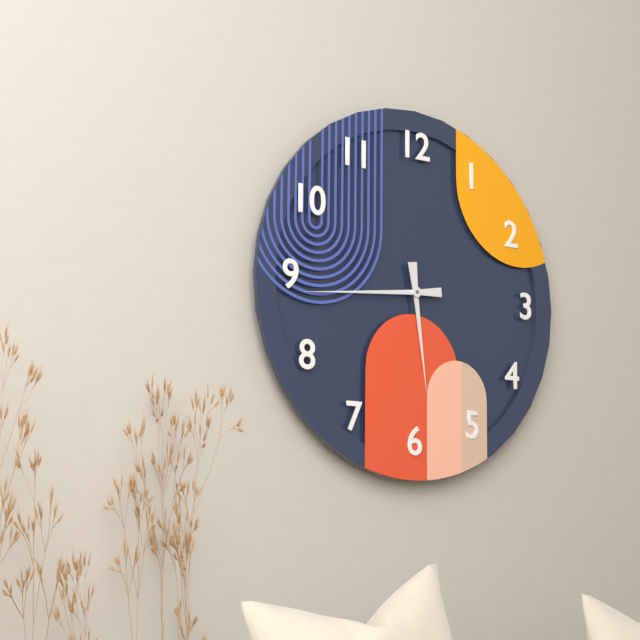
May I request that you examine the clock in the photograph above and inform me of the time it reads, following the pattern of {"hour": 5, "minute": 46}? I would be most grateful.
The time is {"hour": 5, "minute": 44}
